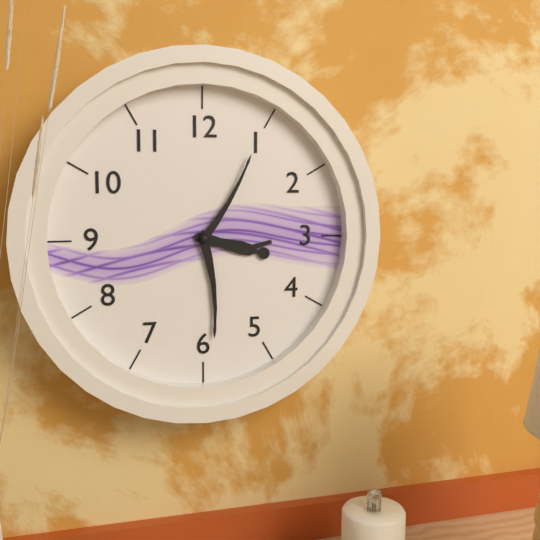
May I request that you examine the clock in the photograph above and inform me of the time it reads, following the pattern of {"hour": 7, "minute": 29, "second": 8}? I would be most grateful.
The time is {"hour": 3, "minute": 29, "second": 5}
